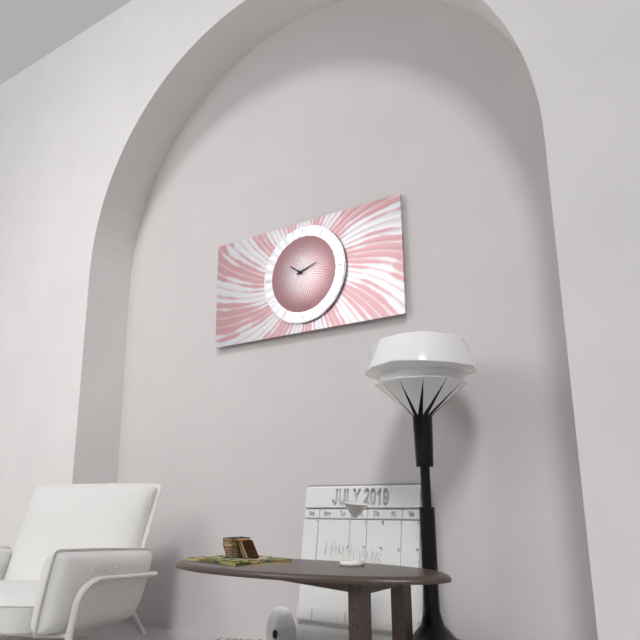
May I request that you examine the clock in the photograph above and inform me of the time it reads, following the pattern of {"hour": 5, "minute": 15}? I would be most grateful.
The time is {"hour": 10, "minute": 12}
